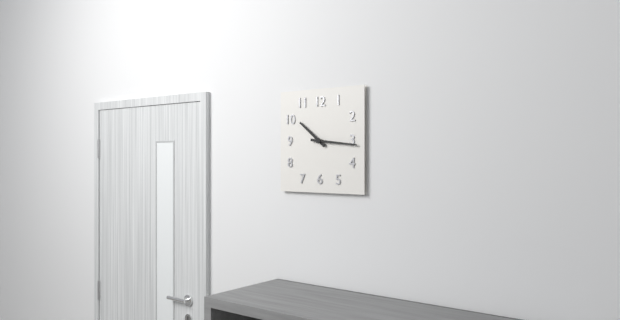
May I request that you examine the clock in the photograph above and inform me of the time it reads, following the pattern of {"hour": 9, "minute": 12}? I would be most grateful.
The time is {"hour": 10, "minute": 16}
